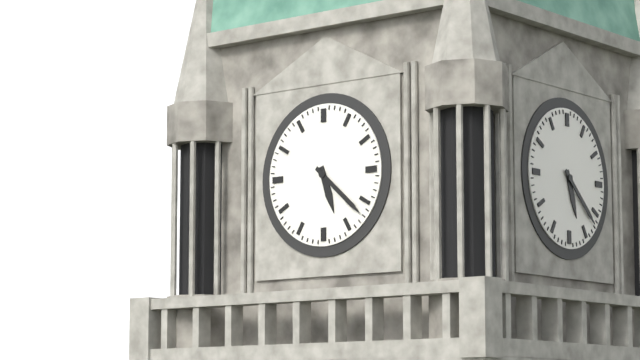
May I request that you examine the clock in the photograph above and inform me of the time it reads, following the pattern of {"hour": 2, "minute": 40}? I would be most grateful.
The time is {"hour": 5, "minute": 22}
